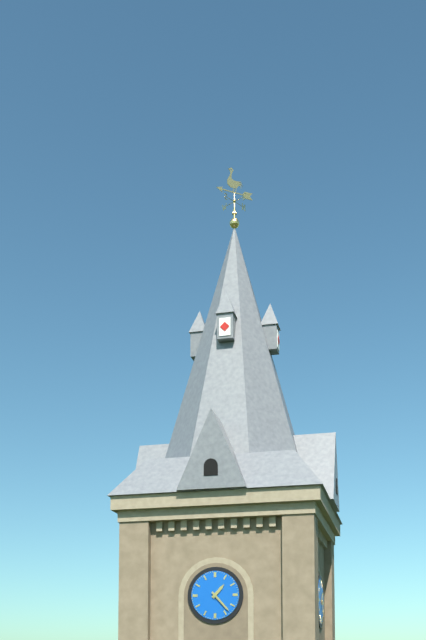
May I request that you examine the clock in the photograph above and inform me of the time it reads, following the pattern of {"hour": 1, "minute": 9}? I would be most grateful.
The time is {"hour": 1, "minute": 23}
